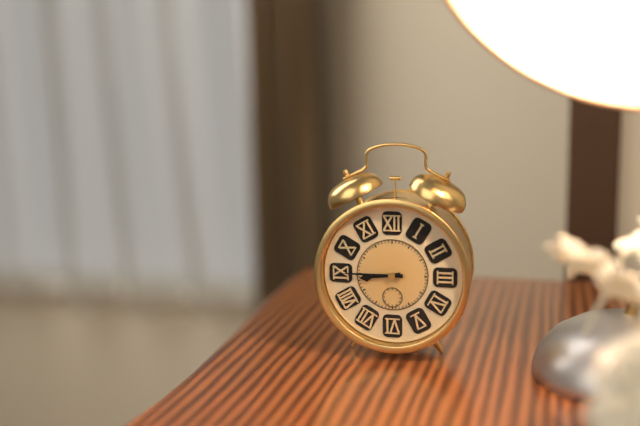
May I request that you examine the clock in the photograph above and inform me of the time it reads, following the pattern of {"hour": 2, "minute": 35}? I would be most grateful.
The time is {"hour": 8, "minute": 45}
